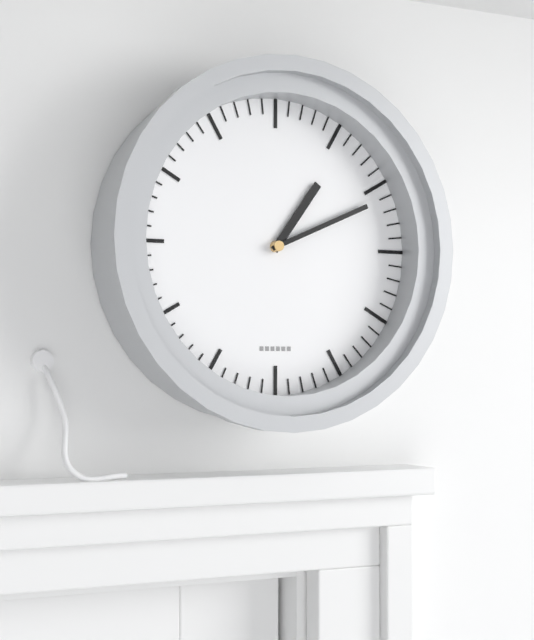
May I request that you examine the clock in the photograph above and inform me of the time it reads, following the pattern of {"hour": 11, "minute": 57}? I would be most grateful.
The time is {"hour": 1, "minute": 11}
